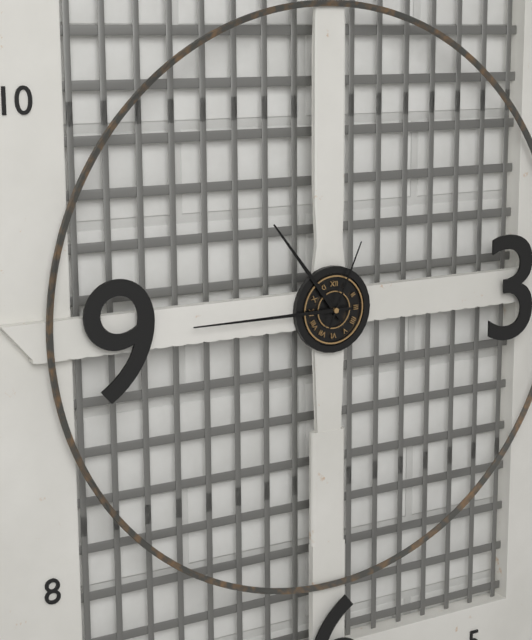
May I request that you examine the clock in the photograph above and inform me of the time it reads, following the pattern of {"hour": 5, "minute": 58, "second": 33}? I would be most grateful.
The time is {"hour": 10, "minute": 45, "second": 4}
